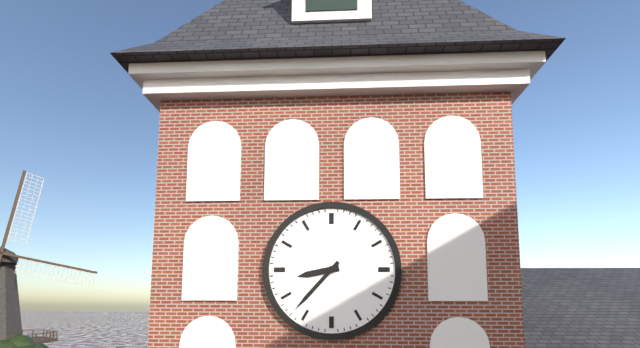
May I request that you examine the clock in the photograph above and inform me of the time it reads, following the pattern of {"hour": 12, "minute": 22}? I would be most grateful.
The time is {"hour": 8, "minute": 37}
